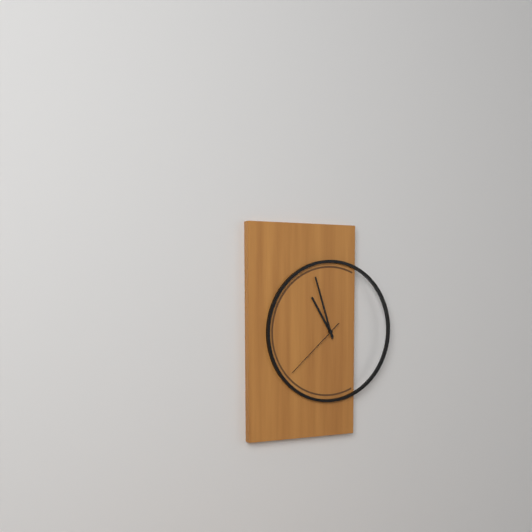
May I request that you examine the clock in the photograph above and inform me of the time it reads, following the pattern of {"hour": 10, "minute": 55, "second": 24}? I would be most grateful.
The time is {"hour": 10, "minute": 57, "second": 38}
